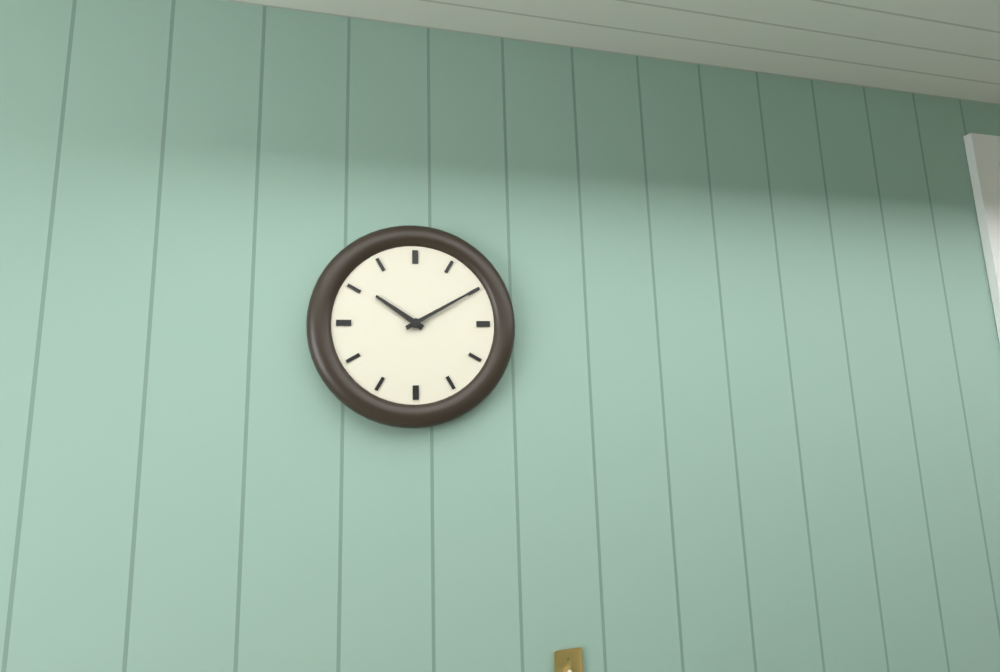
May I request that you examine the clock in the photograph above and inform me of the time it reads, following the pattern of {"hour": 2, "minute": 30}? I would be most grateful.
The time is {"hour": 10, "minute": 10}
